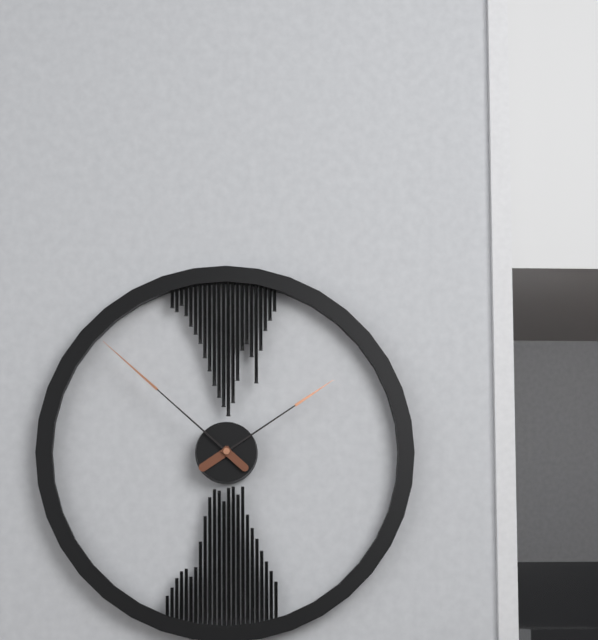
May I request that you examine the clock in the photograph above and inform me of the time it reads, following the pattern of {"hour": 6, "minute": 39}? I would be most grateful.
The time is {"hour": 1, "minute": 52}
